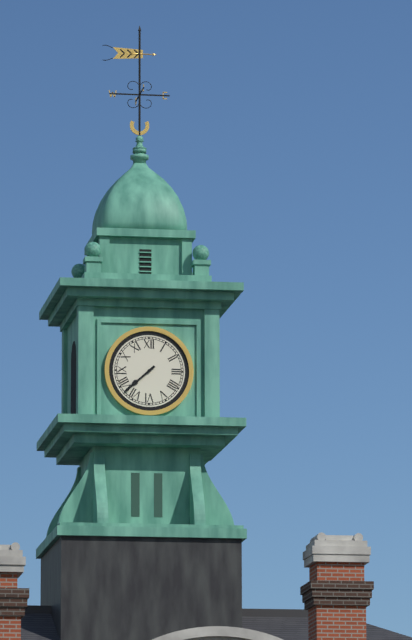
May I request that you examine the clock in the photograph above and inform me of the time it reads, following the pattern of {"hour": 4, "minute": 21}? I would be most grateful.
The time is {"hour": 7, "minute": 38}
